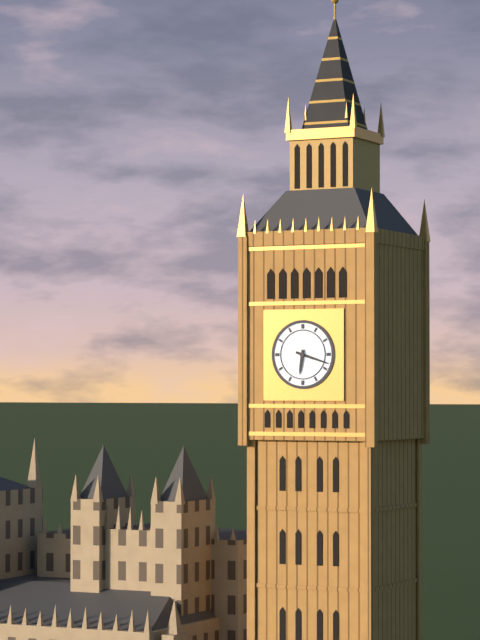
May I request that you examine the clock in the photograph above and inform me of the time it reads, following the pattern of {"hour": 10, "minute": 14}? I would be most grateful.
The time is {"hour": 6, "minute": 18}
